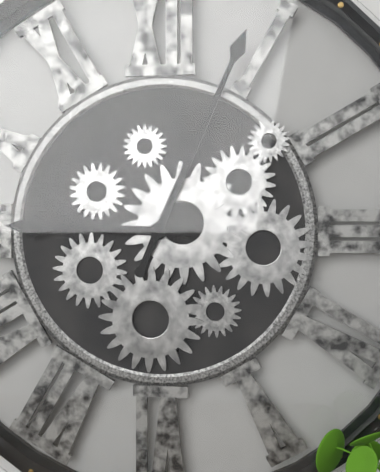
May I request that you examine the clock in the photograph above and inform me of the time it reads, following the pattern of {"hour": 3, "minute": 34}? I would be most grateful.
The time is {"hour": 9, "minute": 4}
